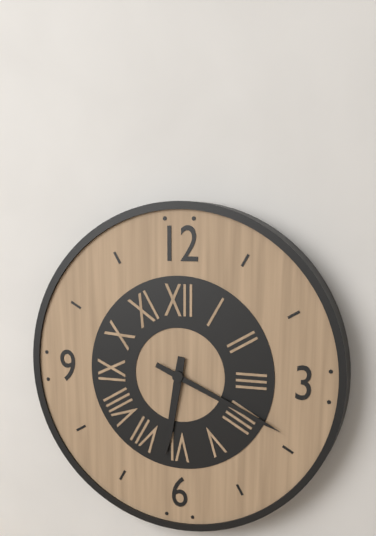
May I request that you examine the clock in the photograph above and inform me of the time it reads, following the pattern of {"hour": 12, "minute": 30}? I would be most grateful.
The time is {"hour": 6, "minute": 19}
